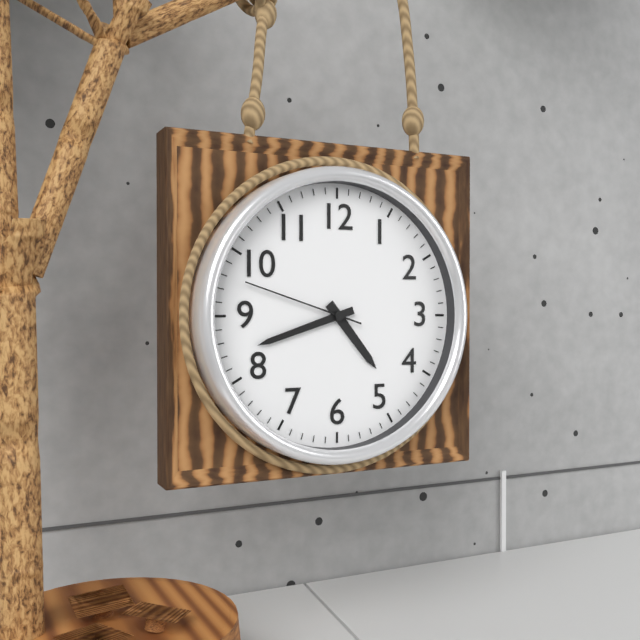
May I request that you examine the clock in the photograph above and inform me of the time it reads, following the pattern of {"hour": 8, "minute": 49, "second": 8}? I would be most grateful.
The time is {"hour": 4, "minute": 42, "second": 48}
